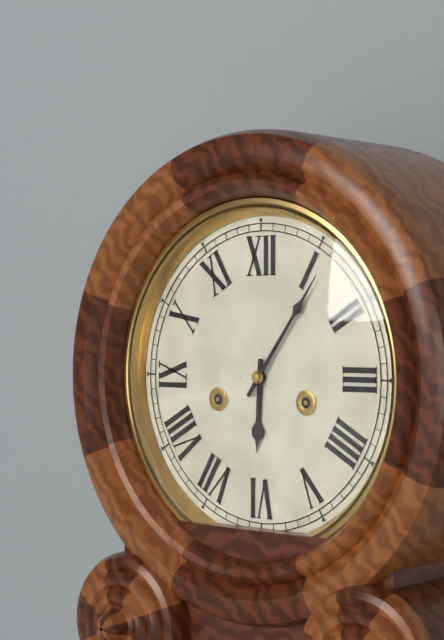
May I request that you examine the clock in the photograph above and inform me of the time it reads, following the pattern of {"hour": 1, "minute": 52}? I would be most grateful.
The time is {"hour": 6, "minute": 6}
